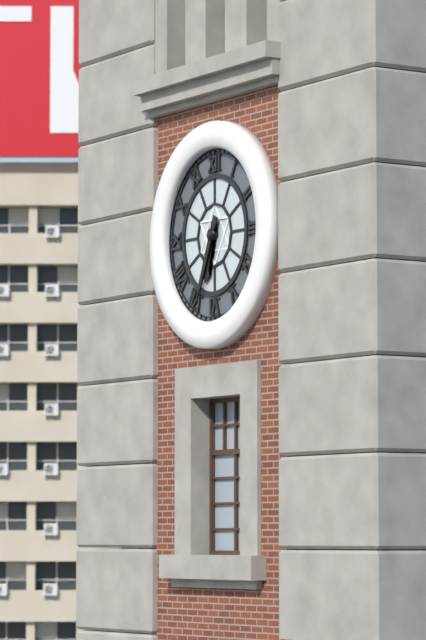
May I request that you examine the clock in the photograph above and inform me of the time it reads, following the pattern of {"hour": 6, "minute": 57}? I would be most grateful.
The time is {"hour": 6, "minute": 34}
